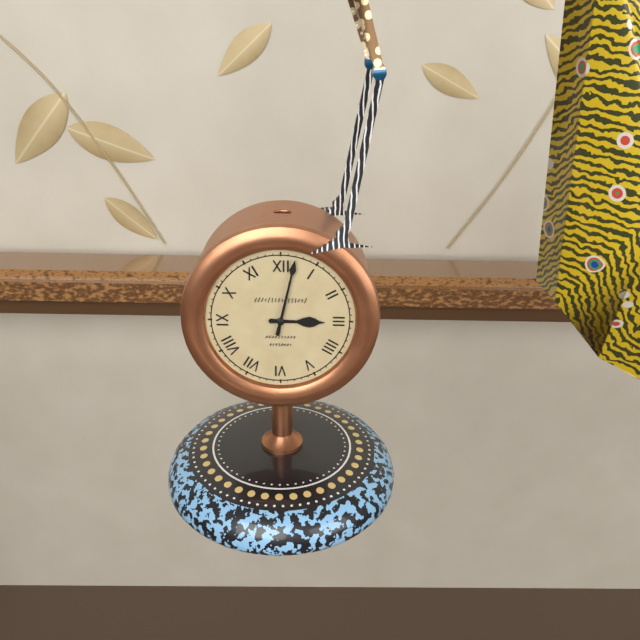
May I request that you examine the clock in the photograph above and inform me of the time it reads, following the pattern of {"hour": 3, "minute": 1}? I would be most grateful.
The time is {"hour": 3, "minute": 2}
